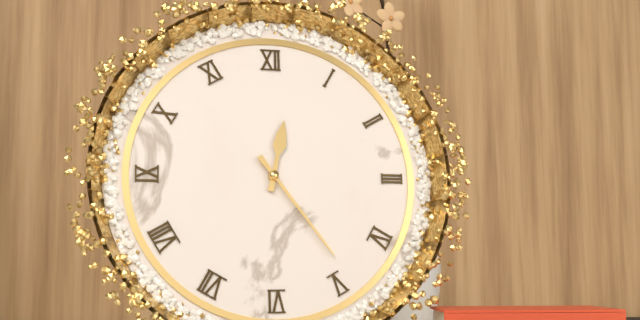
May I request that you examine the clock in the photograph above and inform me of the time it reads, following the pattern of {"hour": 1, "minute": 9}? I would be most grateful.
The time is {"hour": 12, "minute": 24}
